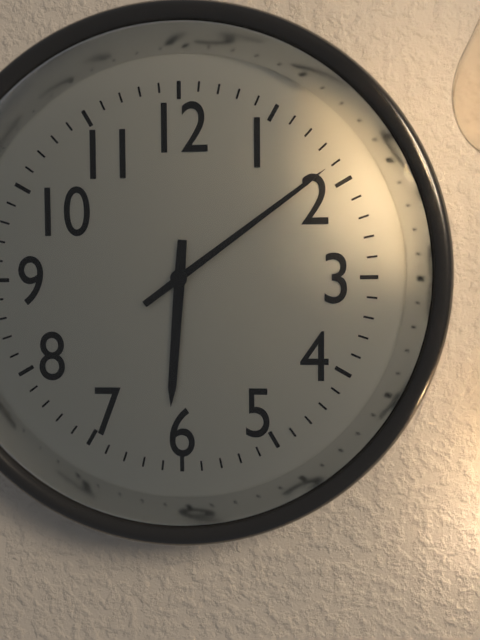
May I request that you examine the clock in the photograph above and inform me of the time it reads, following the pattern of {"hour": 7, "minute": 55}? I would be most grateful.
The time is {"hour": 6, "minute": 9}
